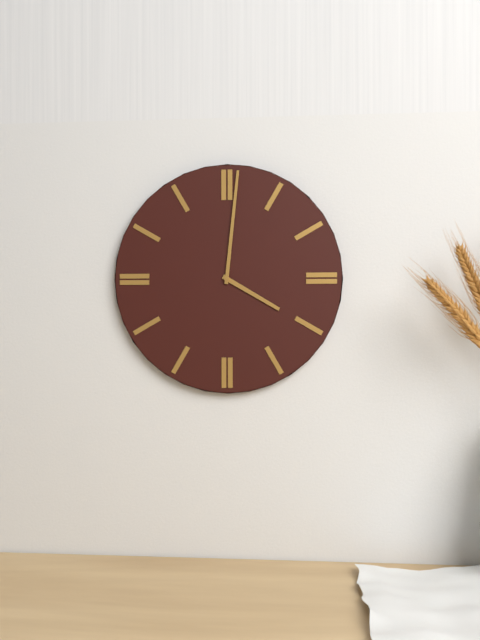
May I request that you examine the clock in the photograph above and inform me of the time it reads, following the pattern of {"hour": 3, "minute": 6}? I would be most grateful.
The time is {"hour": 4, "minute": 1}
